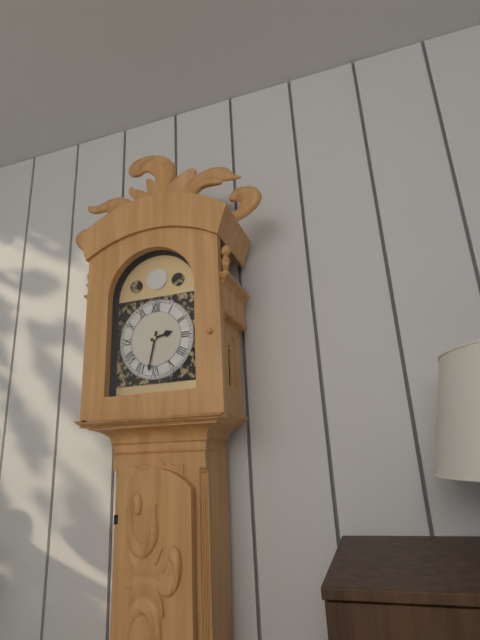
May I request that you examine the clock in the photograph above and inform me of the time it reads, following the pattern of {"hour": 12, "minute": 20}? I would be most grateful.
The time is {"hour": 2, "minute": 32}
